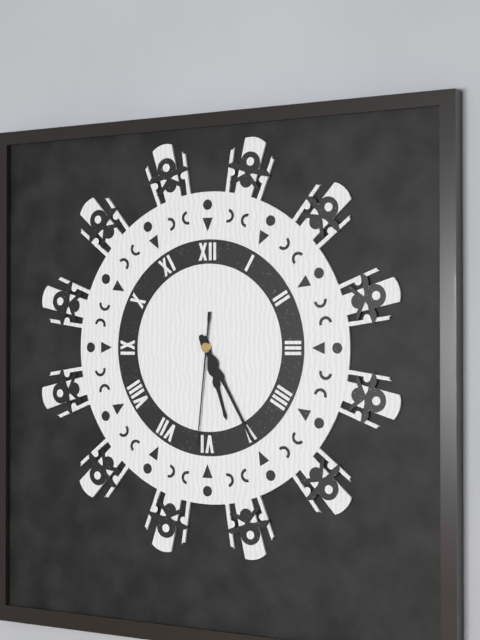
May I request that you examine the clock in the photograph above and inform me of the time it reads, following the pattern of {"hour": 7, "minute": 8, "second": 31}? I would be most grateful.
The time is {"hour": 5, "minute": 25, "second": 31}
